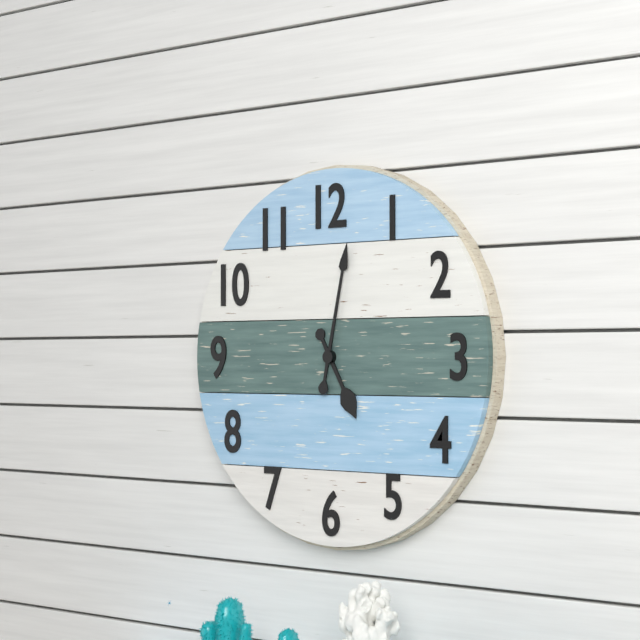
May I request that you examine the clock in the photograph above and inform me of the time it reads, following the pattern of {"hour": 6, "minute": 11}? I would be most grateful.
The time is {"hour": 5, "minute": 2}
